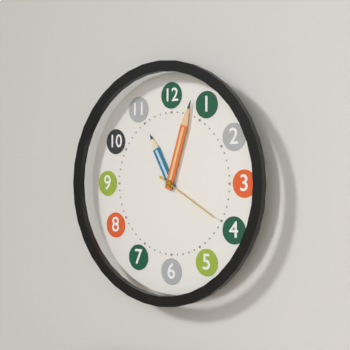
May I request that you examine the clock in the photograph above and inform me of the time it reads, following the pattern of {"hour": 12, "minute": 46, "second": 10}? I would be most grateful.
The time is {"hour": 11, "minute": 3, "second": 20}
